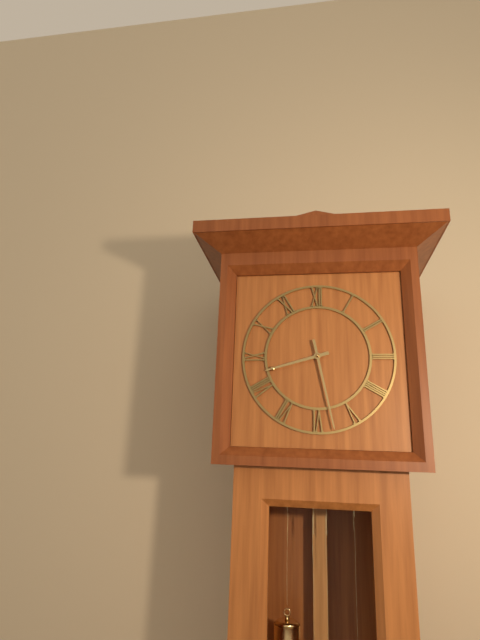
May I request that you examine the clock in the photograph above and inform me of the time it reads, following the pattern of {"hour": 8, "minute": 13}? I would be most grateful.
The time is {"hour": 8, "minute": 28}
